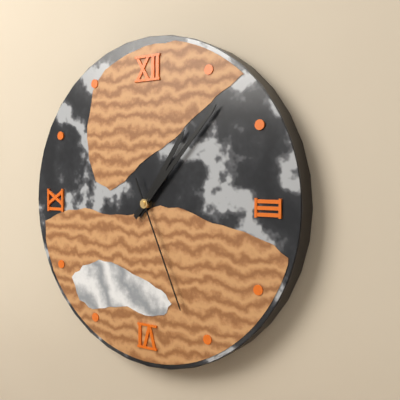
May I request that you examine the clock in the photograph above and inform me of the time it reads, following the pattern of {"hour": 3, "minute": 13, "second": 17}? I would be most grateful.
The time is {"hour": 1, "minute": 7, "second": 26}
